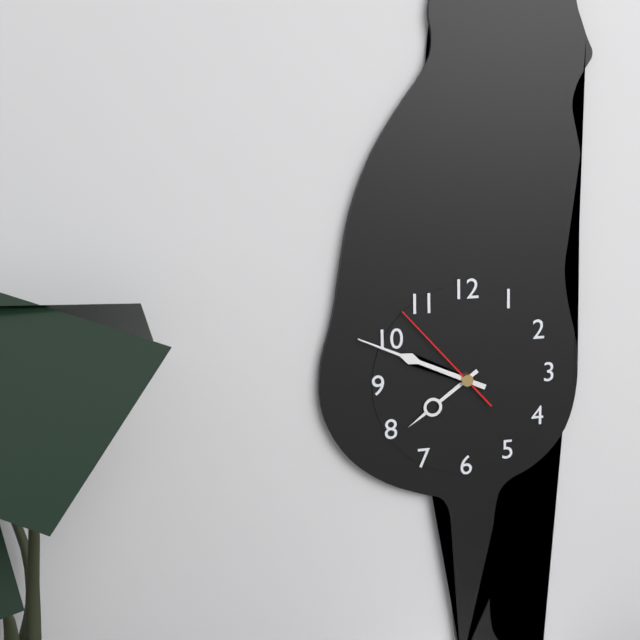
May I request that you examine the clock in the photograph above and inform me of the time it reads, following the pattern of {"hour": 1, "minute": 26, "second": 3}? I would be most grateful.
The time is {"hour": 7, "minute": 49, "second": 53}
